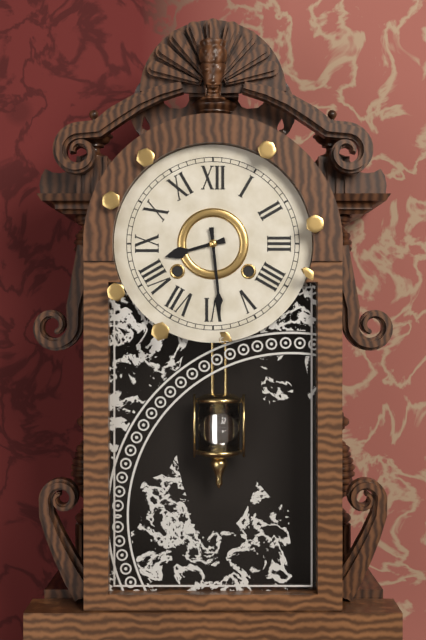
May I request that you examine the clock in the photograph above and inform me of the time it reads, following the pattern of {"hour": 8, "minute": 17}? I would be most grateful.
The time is {"hour": 8, "minute": 29}
